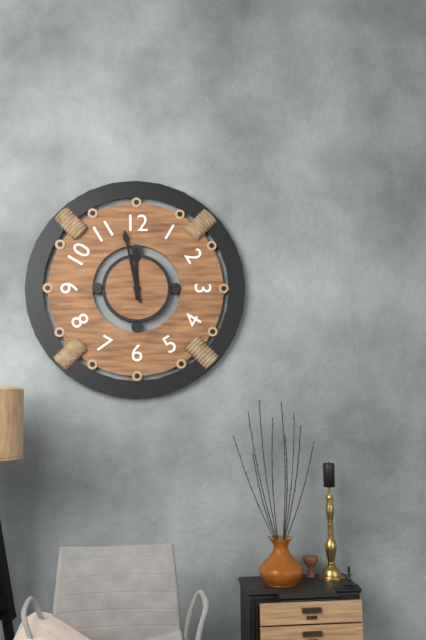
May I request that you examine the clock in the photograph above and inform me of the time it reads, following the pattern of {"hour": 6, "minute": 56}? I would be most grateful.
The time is {"hour": 11, "minute": 58}
